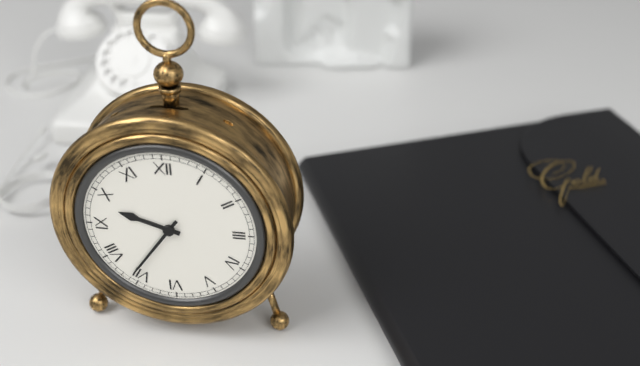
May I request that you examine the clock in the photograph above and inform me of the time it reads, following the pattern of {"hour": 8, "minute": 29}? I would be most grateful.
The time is {"hour": 9, "minute": 36}
